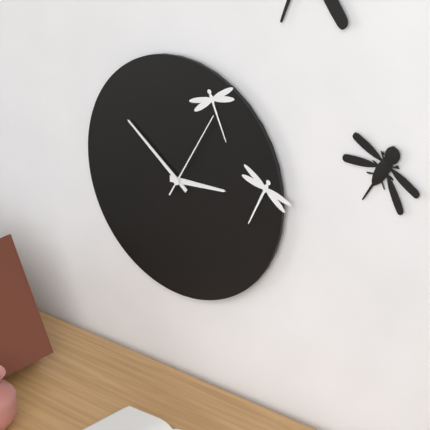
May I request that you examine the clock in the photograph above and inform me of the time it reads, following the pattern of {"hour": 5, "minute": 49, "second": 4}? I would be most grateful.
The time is {"hour": 2, "minute": 51, "second": 5}
